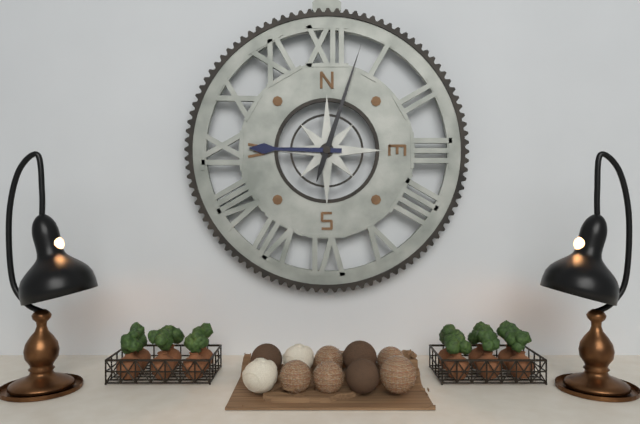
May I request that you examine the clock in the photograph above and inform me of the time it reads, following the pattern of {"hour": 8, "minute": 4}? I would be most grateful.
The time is {"hour": 9, "minute": 3}
